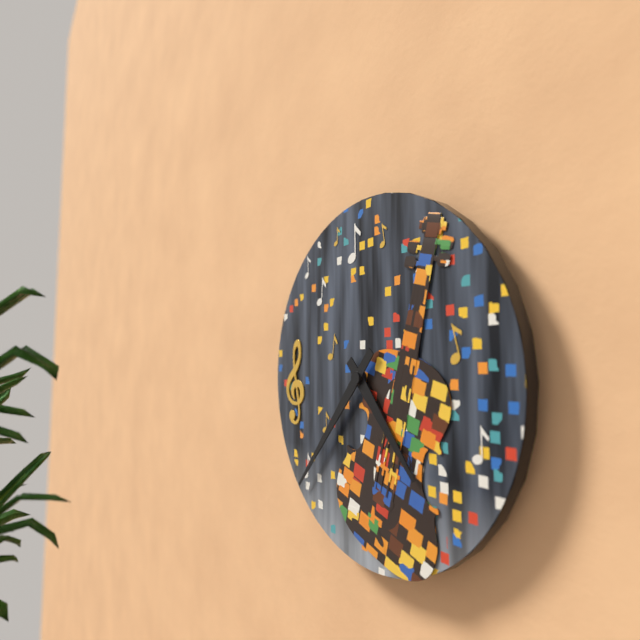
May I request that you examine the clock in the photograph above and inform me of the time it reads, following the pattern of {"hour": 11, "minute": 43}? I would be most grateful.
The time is {"hour": 4, "minute": 37}
